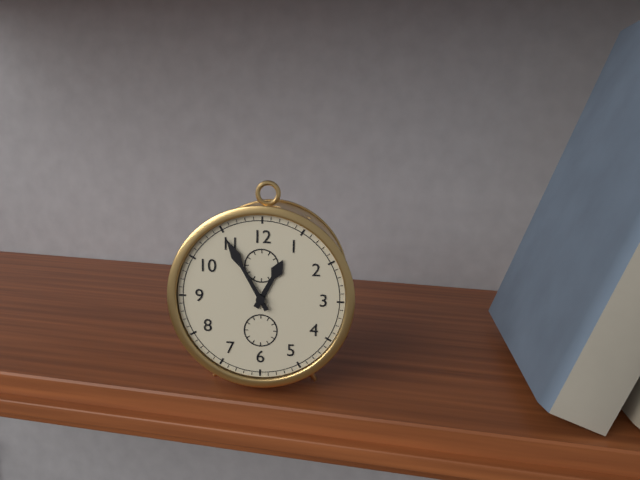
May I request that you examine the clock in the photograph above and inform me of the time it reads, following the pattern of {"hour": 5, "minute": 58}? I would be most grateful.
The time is {"hour": 12, "minute": 55}
